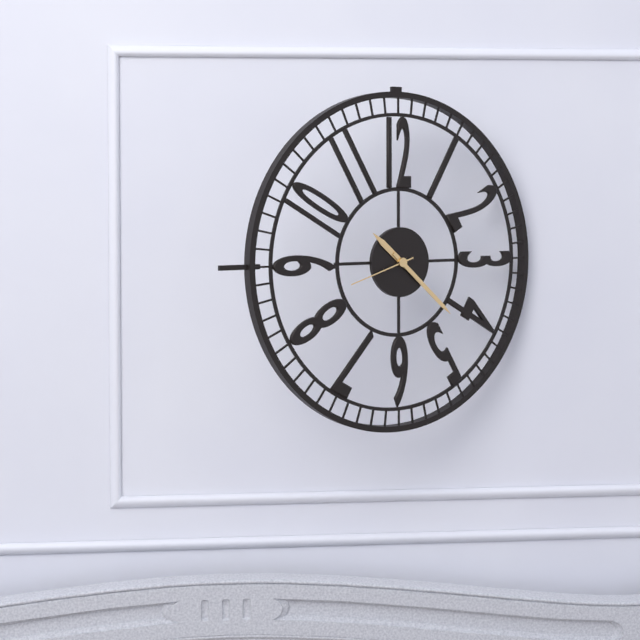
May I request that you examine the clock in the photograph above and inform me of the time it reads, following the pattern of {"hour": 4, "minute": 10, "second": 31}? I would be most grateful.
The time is {"hour": 10, "minute": 22, "second": 42}
